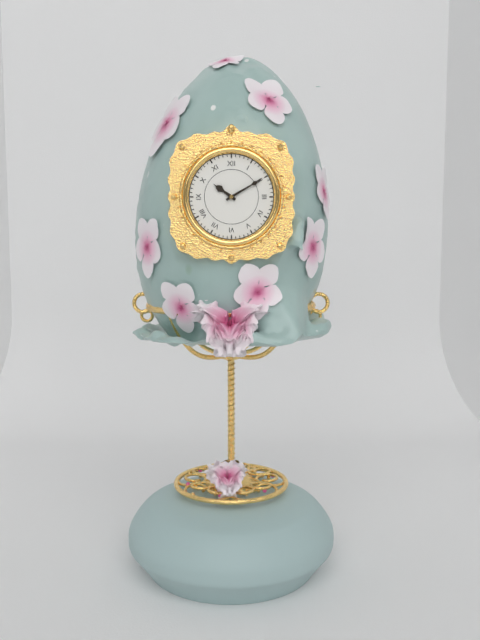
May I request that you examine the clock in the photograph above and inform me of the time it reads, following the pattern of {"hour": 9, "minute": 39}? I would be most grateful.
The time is {"hour": 10, "minute": 10}
